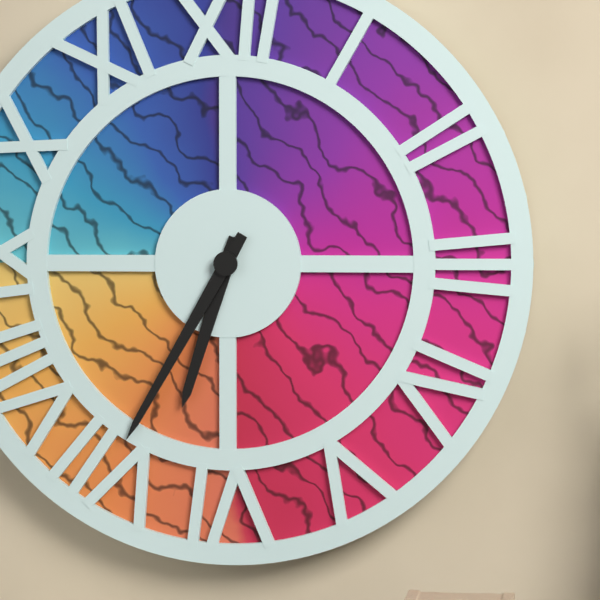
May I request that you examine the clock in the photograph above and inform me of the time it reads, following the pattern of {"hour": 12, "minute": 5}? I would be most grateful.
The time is {"hour": 6, "minute": 35}
